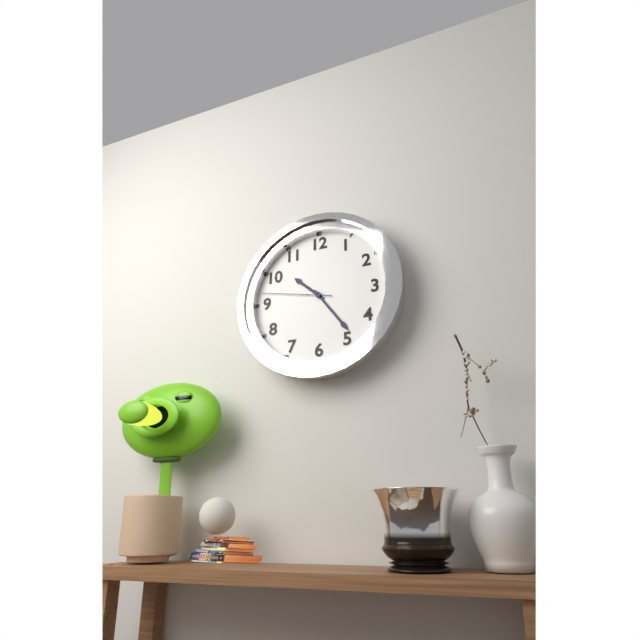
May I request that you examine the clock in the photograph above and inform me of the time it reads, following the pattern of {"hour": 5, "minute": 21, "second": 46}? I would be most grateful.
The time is {"hour": 10, "minute": 24, "second": 47}
